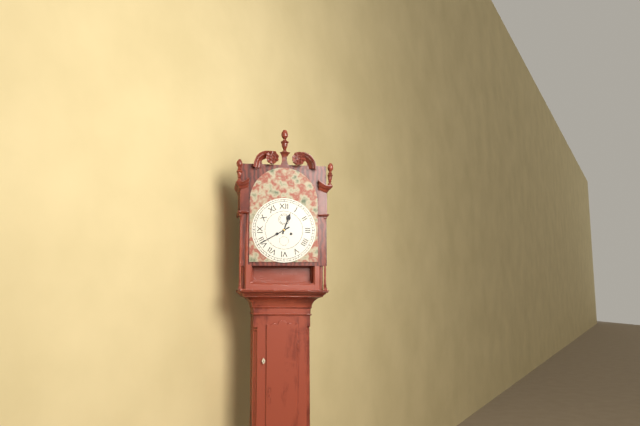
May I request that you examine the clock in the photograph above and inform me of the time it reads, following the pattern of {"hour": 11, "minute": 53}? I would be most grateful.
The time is {"hour": 12, "minute": 40}
